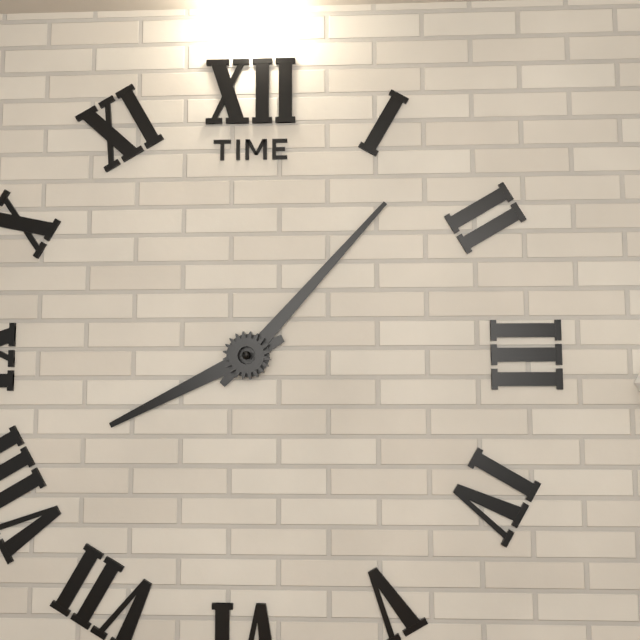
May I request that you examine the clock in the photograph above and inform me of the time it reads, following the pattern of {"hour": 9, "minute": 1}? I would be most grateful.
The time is {"hour": 8, "minute": 7}
